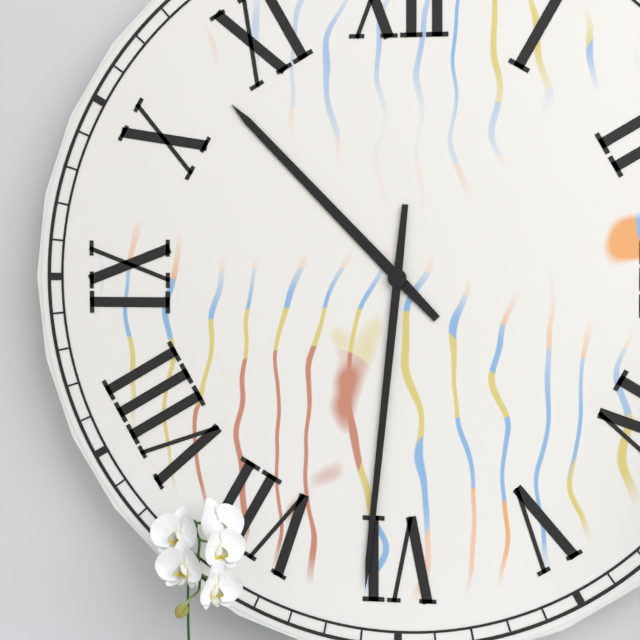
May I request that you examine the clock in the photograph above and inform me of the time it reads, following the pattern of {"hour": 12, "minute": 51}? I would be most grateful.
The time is {"hour": 10, "minute": 31}
